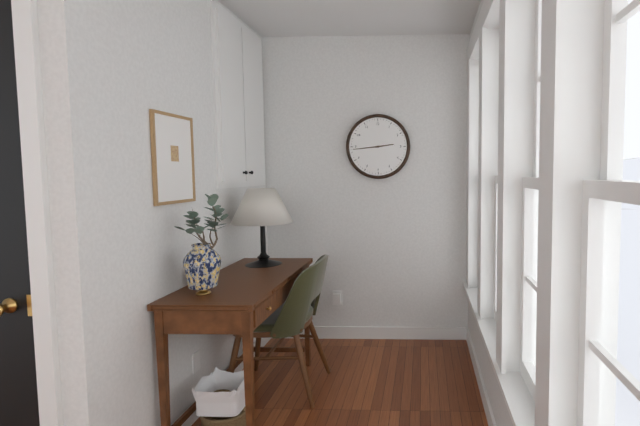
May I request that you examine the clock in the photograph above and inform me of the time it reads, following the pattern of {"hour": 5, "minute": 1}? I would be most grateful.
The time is {"hour": 2, "minute": 44}
